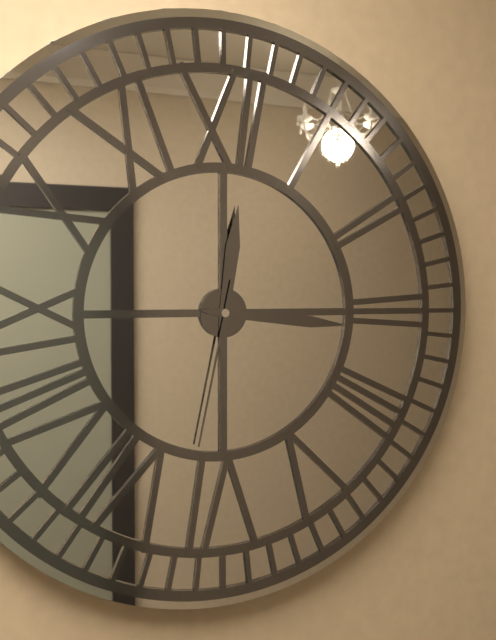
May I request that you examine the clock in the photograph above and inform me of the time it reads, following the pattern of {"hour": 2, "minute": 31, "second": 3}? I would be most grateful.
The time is {"hour": 12, "minute": 16, "second": 32}
